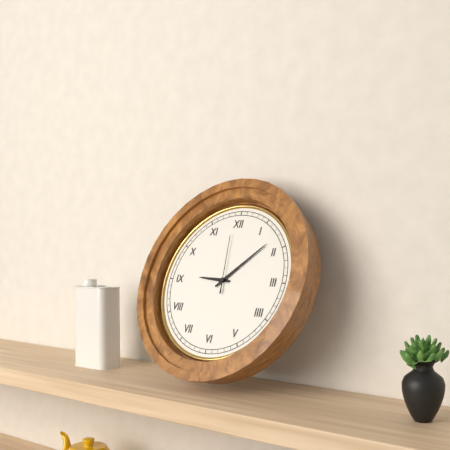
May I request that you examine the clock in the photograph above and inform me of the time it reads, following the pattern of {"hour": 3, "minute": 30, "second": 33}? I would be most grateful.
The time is {"hour": 9, "minute": 8, "second": 59}
